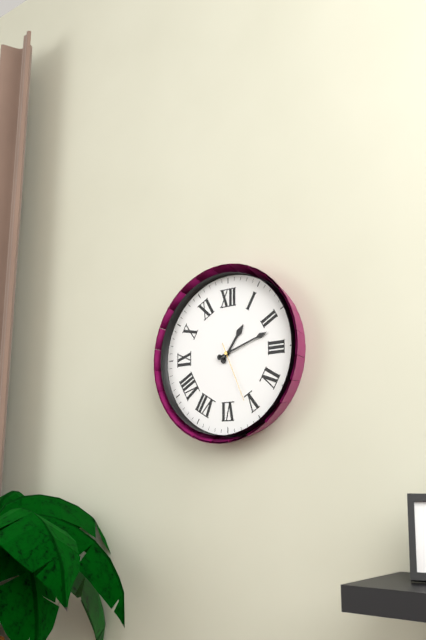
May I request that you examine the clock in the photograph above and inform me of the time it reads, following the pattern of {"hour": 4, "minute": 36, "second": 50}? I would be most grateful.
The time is {"hour": 1, "minute": 12, "second": 26}
